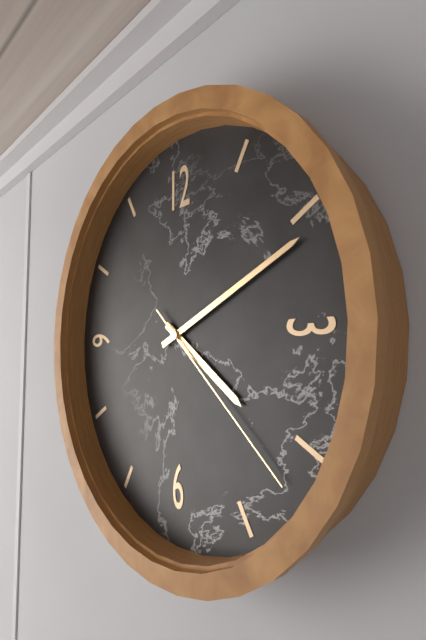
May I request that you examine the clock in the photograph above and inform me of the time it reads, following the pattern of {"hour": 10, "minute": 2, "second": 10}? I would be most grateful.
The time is {"hour": 4, "minute": 11, "second": 22}
